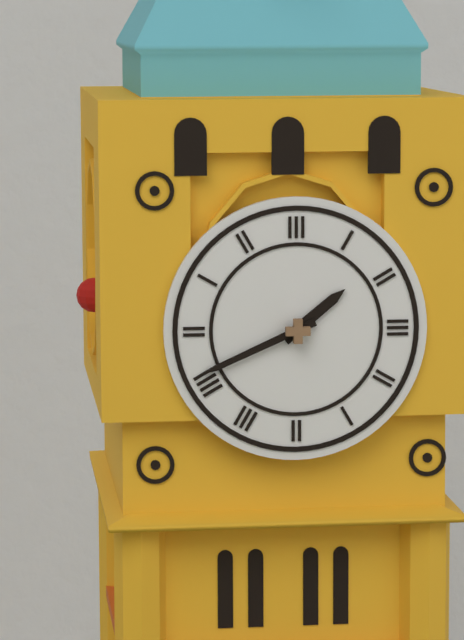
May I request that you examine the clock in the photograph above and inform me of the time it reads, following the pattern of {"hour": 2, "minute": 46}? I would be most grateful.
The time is {"hour": 1, "minute": 41}
